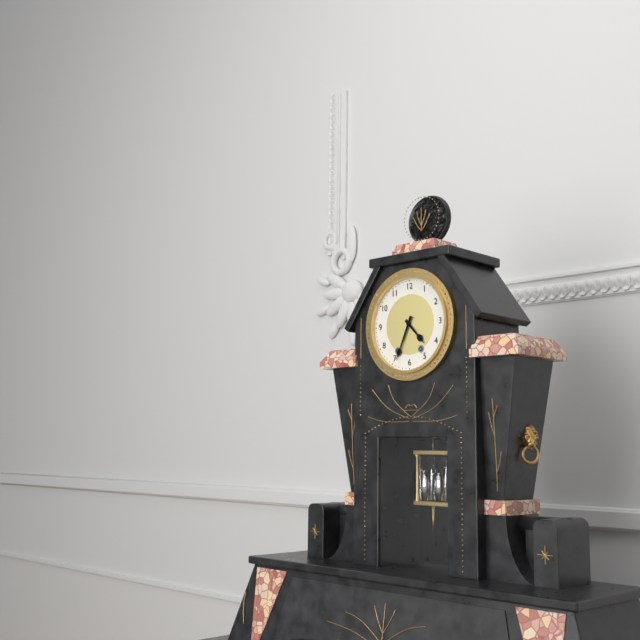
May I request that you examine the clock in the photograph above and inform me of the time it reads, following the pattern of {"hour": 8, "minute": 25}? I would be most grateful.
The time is {"hour": 4, "minute": 34}
